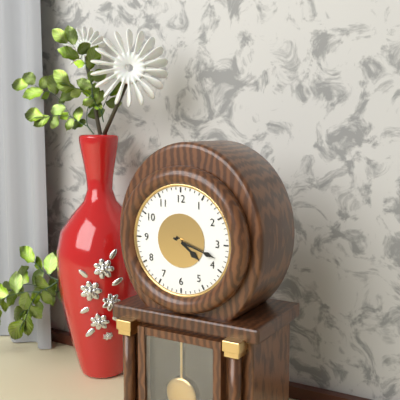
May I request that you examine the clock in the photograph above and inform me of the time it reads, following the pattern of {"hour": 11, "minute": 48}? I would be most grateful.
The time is {"hour": 4, "minute": 18}
